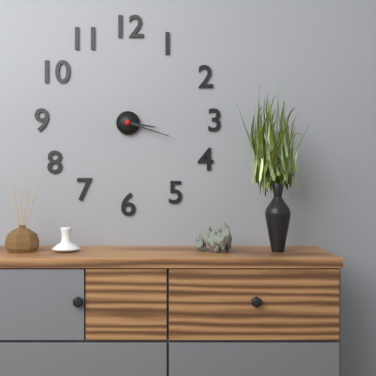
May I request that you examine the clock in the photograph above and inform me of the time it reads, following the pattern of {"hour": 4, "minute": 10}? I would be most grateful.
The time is {"hour": 3, "minute": 18}
